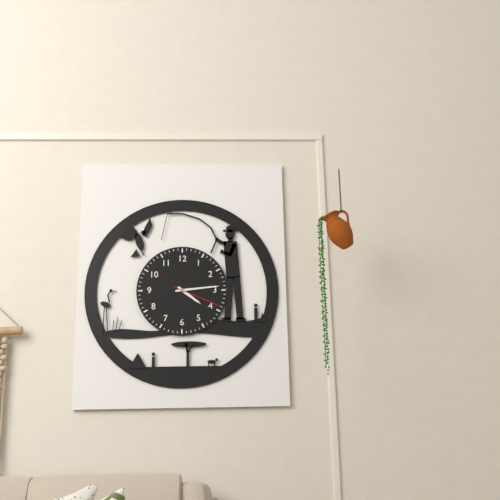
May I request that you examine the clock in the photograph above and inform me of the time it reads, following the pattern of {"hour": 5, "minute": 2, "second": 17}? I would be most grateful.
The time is {"hour": 4, "minute": 14, "second": 19}
